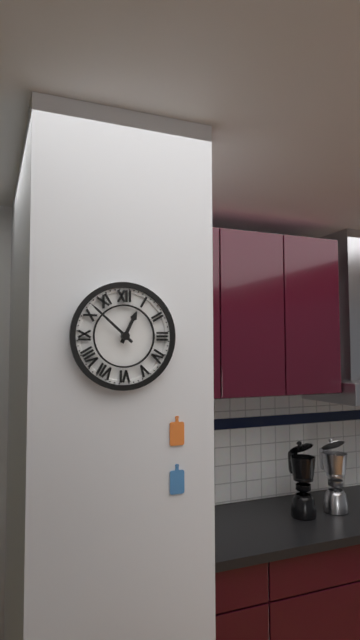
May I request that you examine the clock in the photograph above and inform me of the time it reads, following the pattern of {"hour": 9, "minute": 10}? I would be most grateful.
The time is {"hour": 12, "minute": 52}
